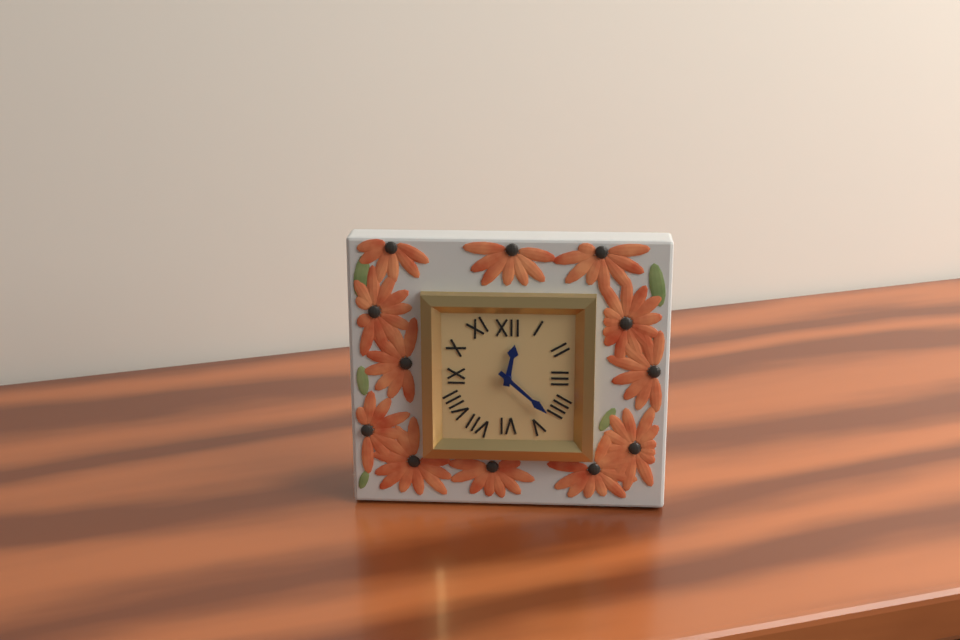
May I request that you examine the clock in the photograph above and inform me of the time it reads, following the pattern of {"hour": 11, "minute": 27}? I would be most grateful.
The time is {"hour": 12, "minute": 22}
